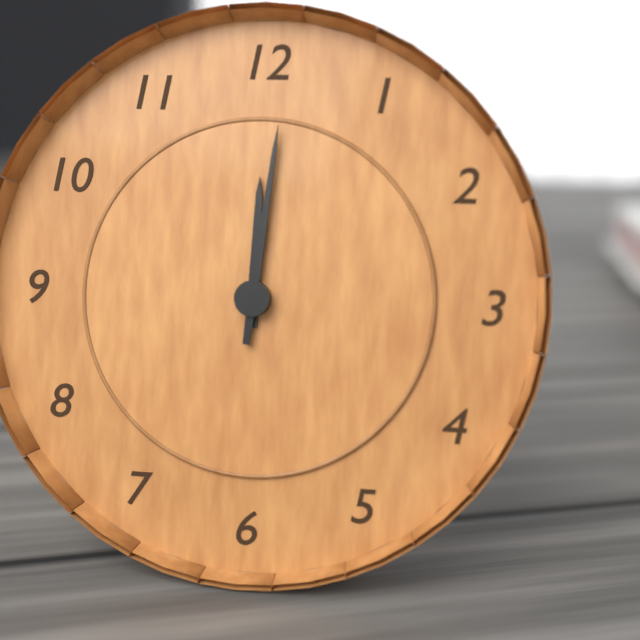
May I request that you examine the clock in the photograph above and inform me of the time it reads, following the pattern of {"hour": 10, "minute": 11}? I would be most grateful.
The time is {"hour": 12, "minute": 1}
